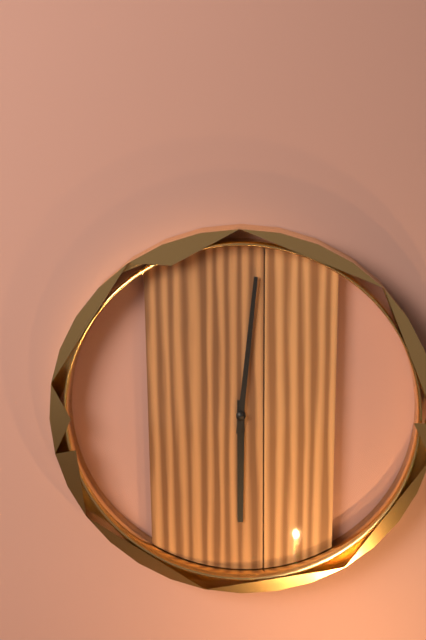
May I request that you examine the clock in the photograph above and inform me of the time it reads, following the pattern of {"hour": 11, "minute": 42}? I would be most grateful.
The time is {"hour": 6, "minute": 1}
